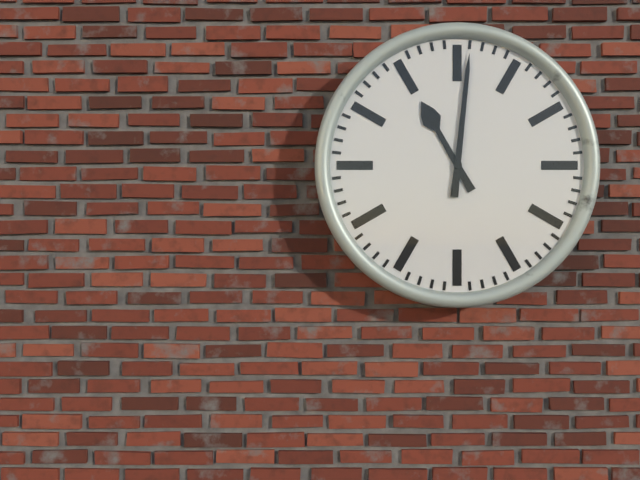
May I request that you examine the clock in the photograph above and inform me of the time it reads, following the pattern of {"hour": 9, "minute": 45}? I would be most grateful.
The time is {"hour": 11, "minute": 1}
